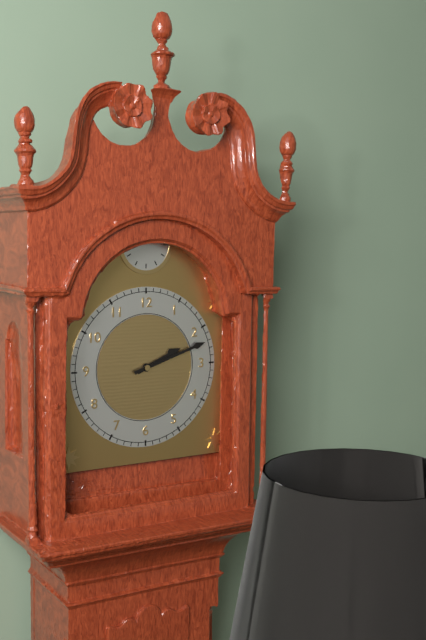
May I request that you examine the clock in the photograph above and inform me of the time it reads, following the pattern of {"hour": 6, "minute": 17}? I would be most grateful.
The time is {"hour": 2, "minute": 12}
